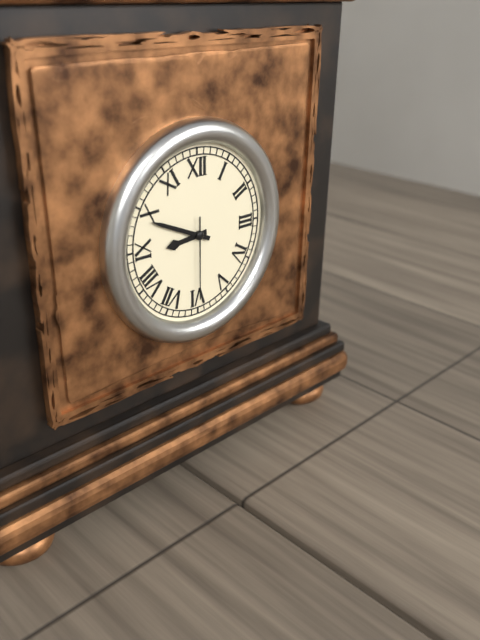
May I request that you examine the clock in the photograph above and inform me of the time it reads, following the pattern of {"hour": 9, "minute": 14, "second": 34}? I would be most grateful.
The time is {"hour": 8, "minute": 49, "second": 30}
